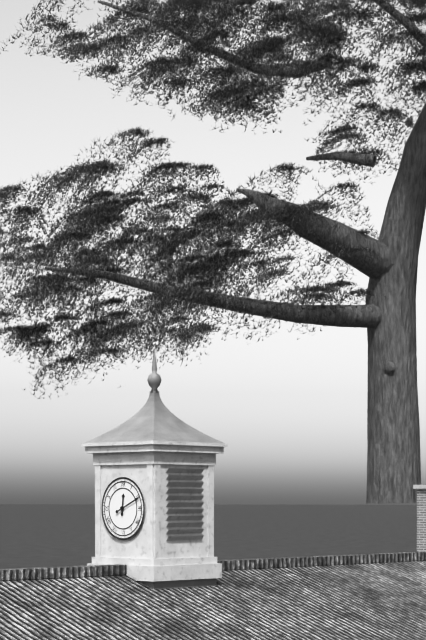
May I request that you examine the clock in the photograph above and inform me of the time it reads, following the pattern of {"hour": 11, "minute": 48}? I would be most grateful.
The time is {"hour": 12, "minute": 11}
